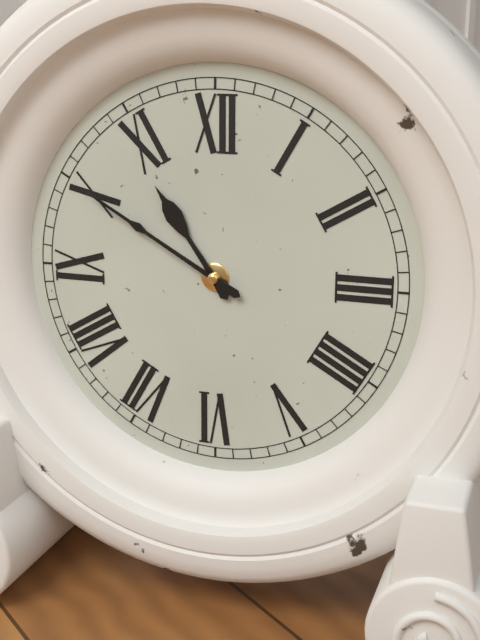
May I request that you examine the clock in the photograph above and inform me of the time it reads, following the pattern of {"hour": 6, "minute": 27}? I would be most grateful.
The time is {"hour": 10, "minute": 50}
